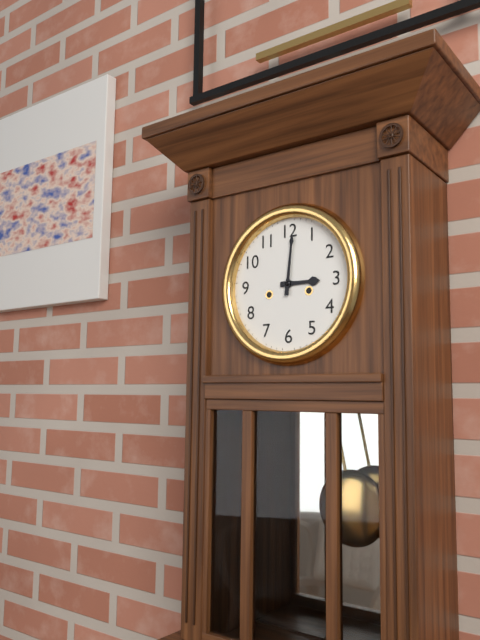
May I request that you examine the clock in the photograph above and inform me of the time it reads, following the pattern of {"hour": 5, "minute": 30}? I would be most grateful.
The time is {"hour": 3, "minute": 1}
